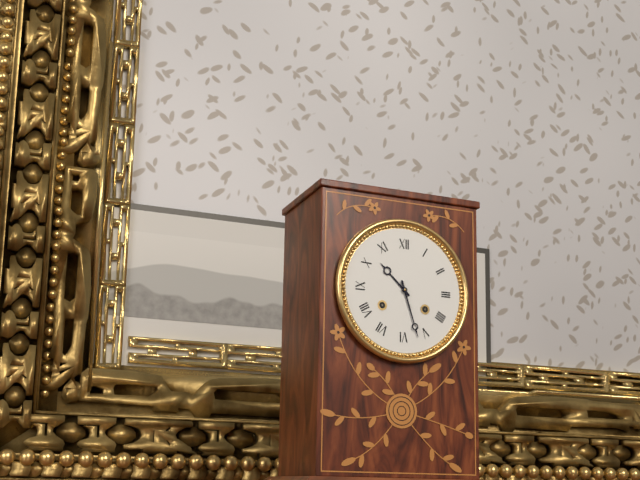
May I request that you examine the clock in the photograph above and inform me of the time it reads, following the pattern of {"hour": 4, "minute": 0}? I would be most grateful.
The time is {"hour": 10, "minute": 27}
